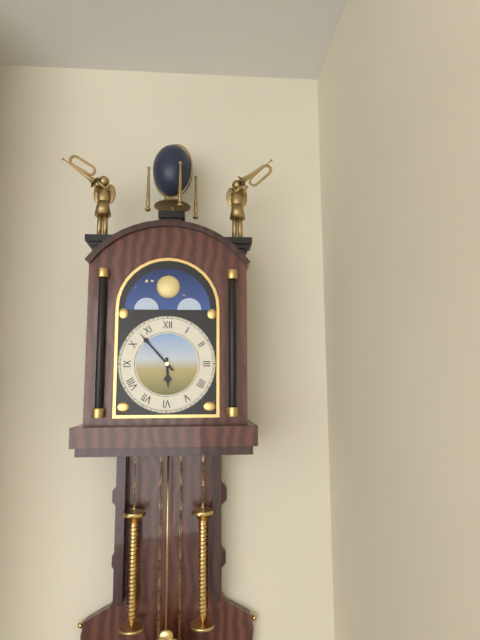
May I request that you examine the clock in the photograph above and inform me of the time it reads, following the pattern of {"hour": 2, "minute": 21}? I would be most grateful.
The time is {"hour": 5, "minute": 53}
